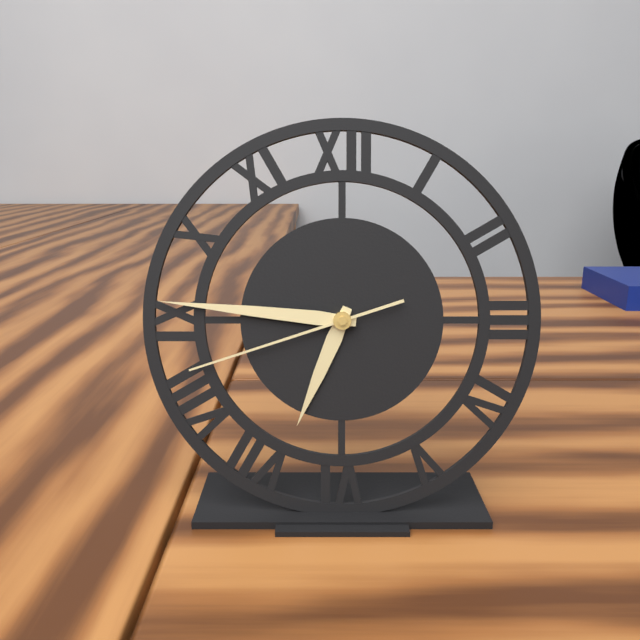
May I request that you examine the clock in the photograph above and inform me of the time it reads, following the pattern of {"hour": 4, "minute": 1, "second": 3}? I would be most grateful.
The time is {"hour": 6, "minute": 46, "second": 42}
